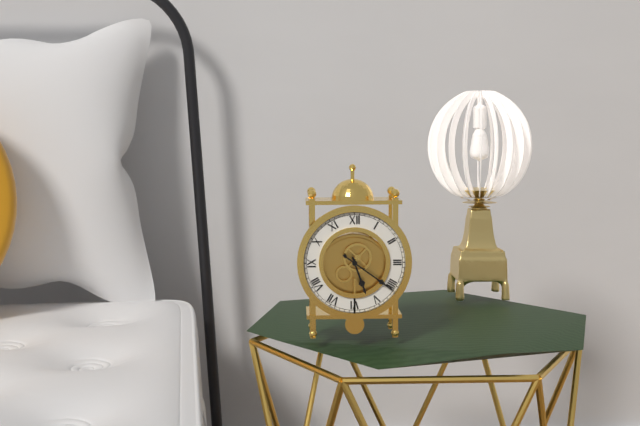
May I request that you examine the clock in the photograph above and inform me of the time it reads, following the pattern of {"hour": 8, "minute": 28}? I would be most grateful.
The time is {"hour": 5, "minute": 21}
